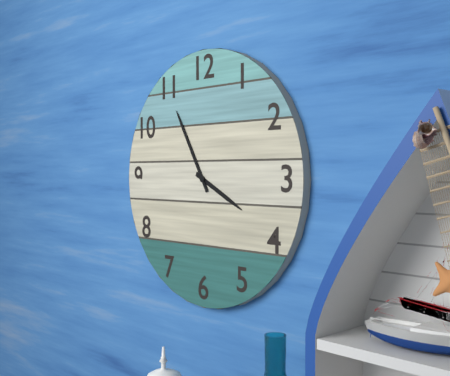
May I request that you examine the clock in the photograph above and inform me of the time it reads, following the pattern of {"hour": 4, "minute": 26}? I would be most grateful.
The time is {"hour": 3, "minute": 55}
